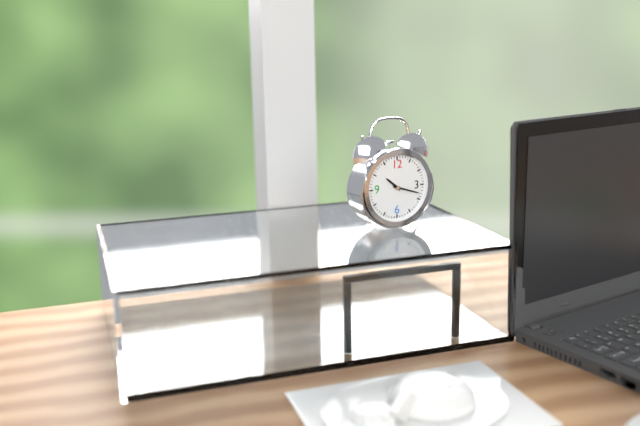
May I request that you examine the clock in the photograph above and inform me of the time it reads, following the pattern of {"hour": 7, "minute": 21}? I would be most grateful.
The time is {"hour": 10, "minute": 18}
